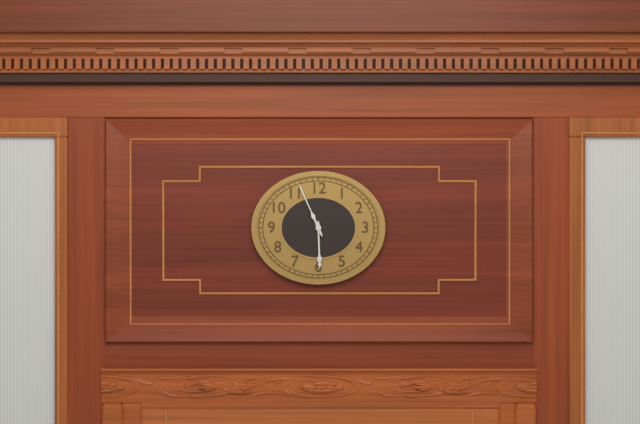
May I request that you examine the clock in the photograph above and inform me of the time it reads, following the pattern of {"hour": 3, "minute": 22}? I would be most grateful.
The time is {"hour": 5, "minute": 56}
